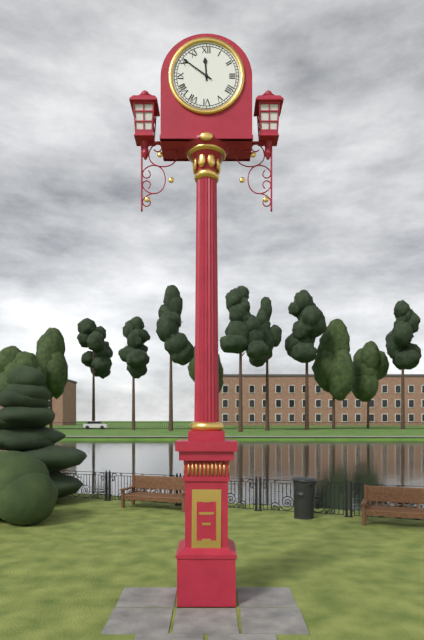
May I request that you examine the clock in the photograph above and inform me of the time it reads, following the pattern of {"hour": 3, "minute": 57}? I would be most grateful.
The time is {"hour": 11, "minute": 51}
